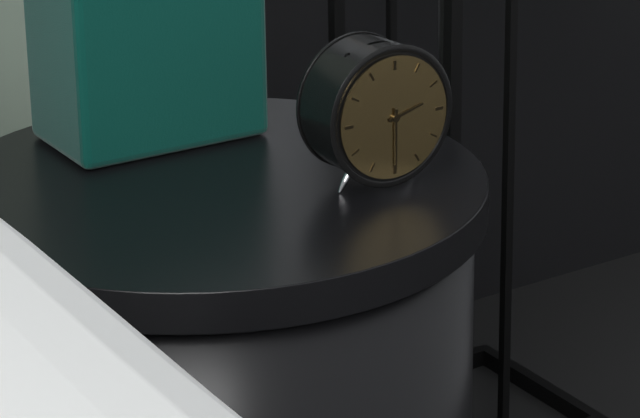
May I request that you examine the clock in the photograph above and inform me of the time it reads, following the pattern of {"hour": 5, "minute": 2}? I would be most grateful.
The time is {"hour": 2, "minute": 30}
